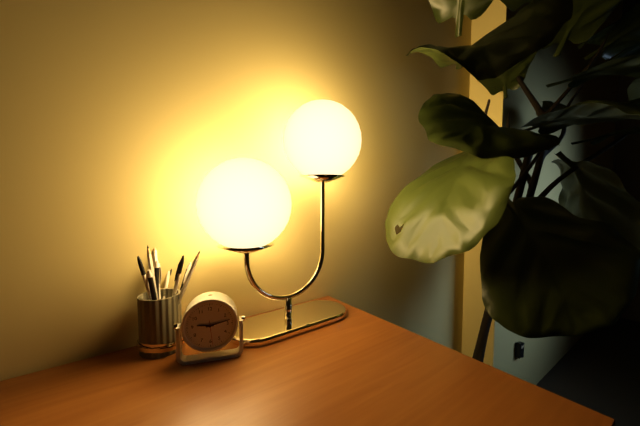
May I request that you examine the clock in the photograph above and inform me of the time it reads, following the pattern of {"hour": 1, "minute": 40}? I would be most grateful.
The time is {"hour": 9, "minute": 13}
